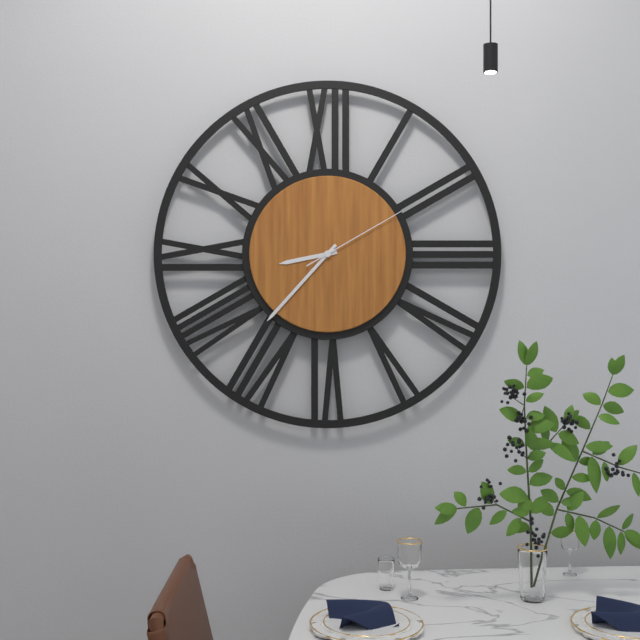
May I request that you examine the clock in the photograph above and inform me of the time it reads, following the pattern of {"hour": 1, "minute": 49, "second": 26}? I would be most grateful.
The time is {"hour": 8, "minute": 37, "second": 10}
